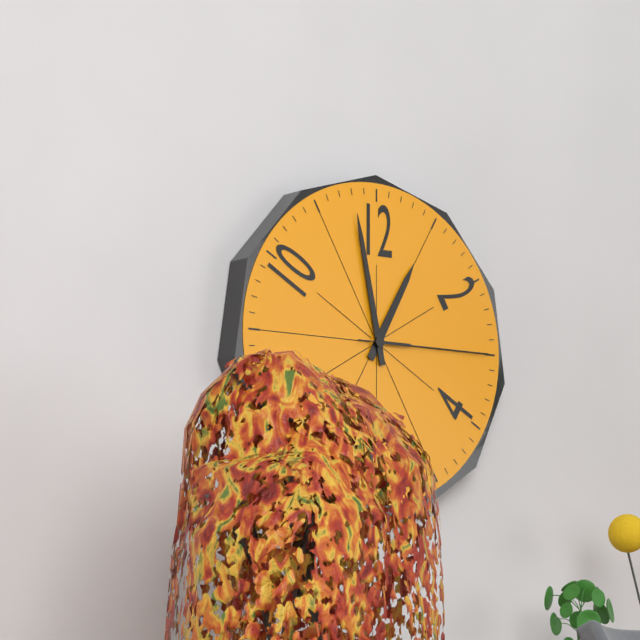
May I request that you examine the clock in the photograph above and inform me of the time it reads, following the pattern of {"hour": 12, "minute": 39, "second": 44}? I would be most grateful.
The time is {"hour": 12, "minute": 58, "second": 15}
